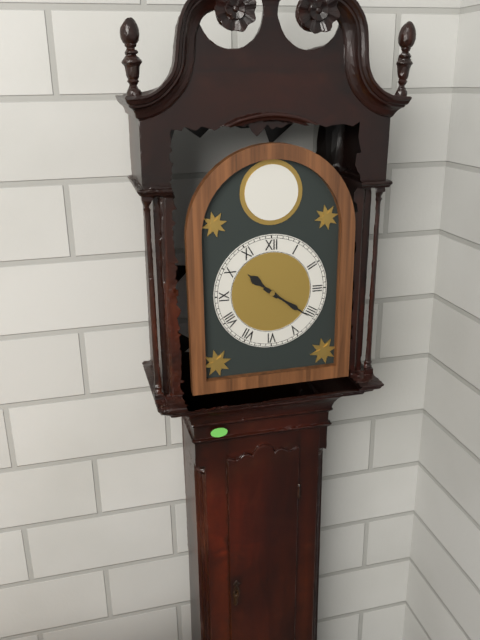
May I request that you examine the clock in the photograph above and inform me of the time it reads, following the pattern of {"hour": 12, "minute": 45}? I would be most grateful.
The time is {"hour": 10, "minute": 21}
